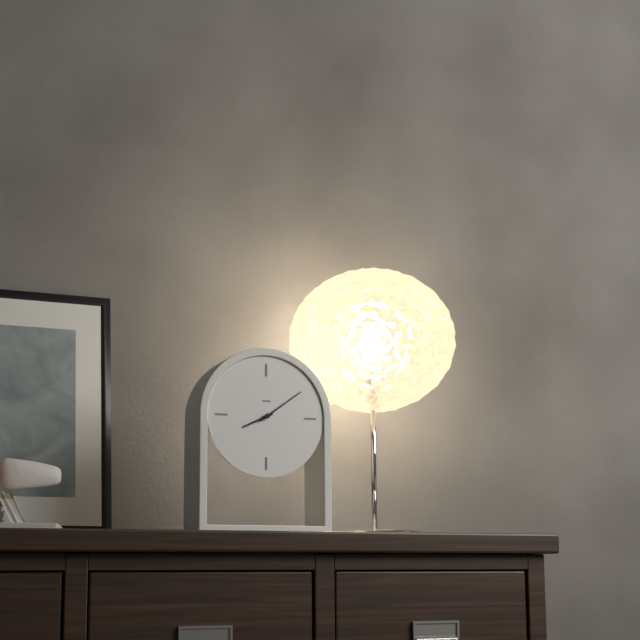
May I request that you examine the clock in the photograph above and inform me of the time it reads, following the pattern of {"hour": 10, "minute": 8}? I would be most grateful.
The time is {"hour": 8, "minute": 9}
